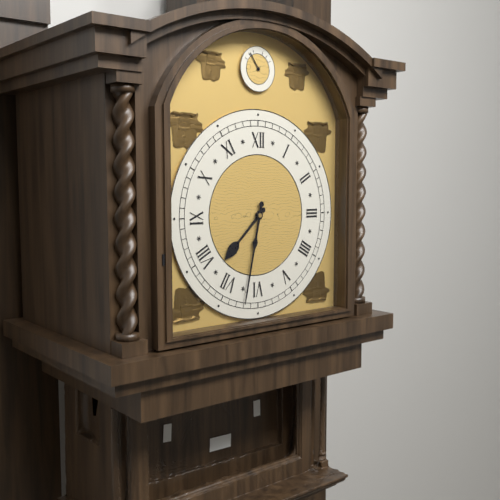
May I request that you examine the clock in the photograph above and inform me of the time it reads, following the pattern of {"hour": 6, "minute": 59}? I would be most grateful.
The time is {"hour": 7, "minute": 32}
